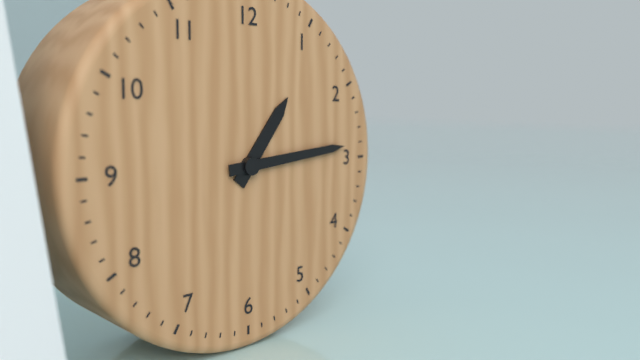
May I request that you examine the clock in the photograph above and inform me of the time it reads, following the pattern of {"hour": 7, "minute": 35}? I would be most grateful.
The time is {"hour": 1, "minute": 14}
